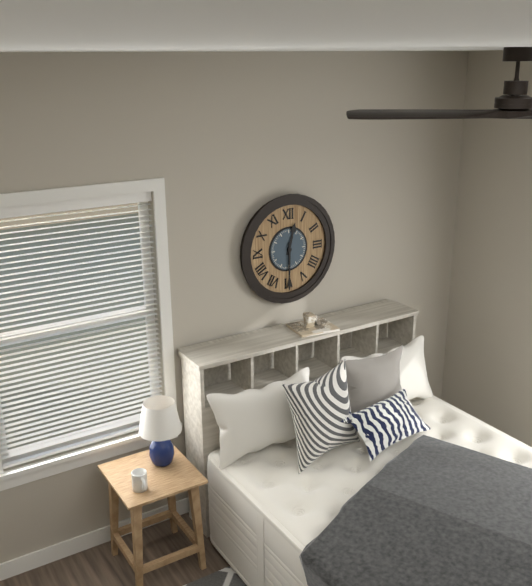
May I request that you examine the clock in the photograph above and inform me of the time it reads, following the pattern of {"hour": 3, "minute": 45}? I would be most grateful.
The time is {"hour": 12, "minute": 30}
